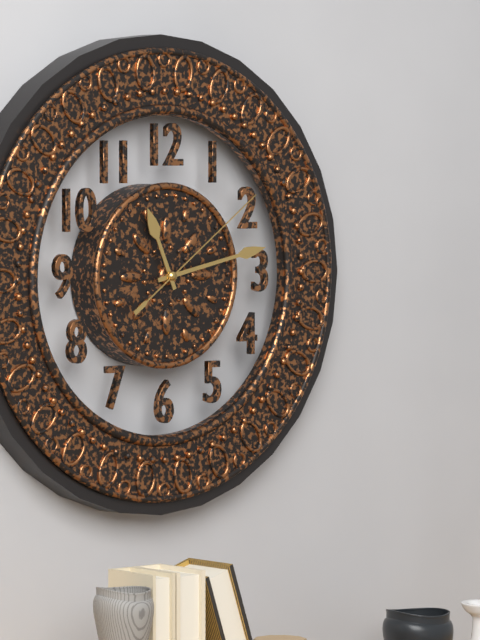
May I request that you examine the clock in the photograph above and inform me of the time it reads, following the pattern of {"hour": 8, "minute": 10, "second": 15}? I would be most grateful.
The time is {"hour": 11, "minute": 13, "second": 9}
